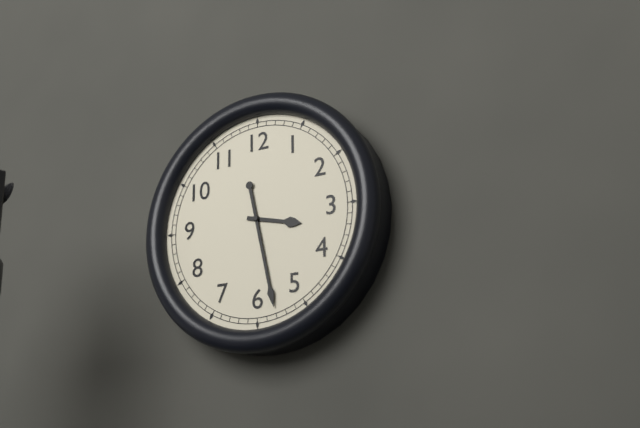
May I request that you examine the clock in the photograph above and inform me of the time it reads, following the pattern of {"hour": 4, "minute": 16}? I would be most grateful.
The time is {"hour": 3, "minute": 28}
